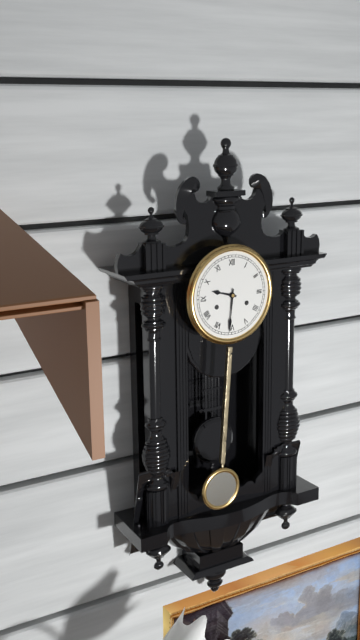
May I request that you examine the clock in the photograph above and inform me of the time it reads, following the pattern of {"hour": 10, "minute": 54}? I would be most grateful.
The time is {"hour": 9, "minute": 31}
